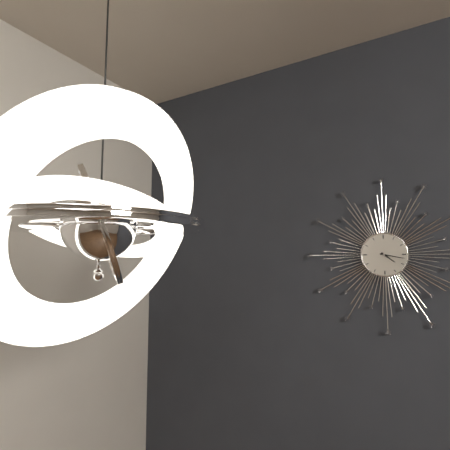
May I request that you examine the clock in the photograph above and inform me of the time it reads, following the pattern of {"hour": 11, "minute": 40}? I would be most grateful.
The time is {"hour": 4, "minute": 17}
